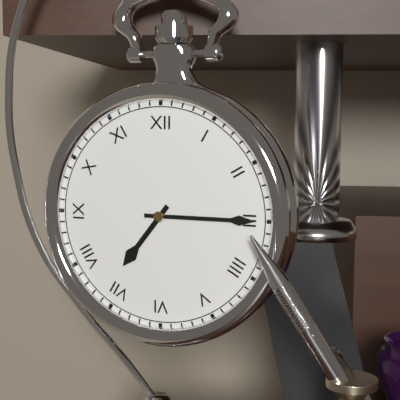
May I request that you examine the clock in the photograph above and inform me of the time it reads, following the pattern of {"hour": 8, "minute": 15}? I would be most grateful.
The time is {"hour": 7, "minute": 15}
